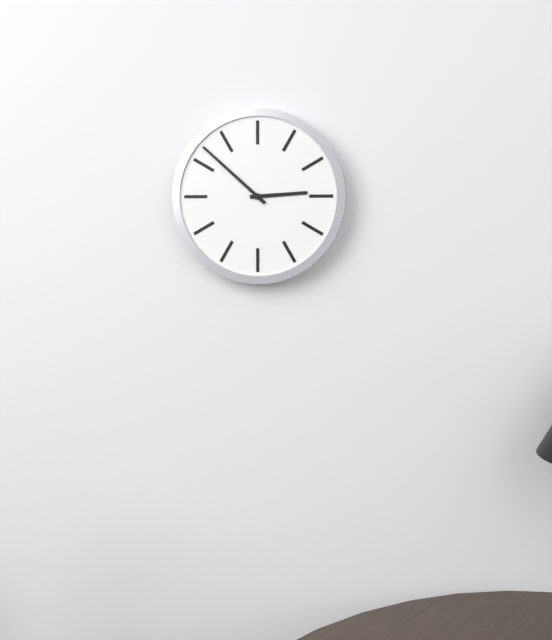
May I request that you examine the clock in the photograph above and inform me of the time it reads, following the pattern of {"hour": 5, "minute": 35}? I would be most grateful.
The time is {"hour": 2, "minute": 52}
